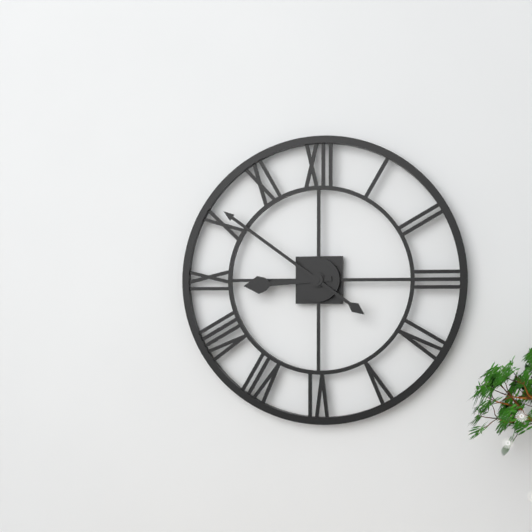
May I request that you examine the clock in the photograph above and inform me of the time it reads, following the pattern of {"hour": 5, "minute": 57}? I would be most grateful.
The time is {"hour": 8, "minute": 51}
